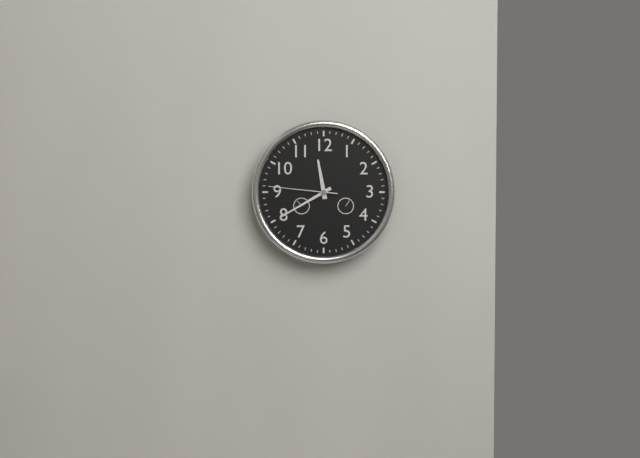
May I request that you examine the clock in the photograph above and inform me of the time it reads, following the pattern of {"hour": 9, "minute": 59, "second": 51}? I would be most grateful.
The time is {"hour": 11, "minute": 40, "second": 46}
